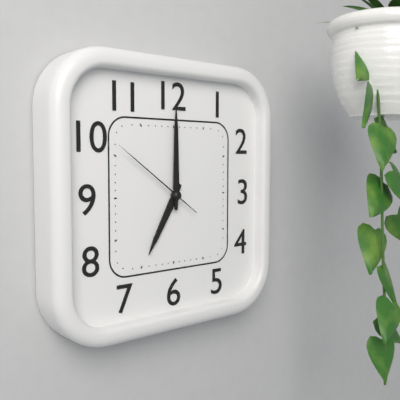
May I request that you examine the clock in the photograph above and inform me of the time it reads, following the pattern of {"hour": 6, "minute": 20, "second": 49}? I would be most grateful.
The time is {"hour": 7, "minute": 0, "second": 51}
